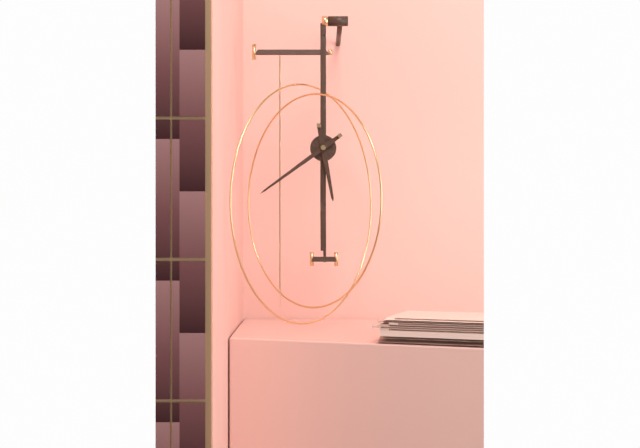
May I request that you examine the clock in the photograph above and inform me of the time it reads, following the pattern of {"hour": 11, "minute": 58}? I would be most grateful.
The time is {"hour": 5, "minute": 39}
